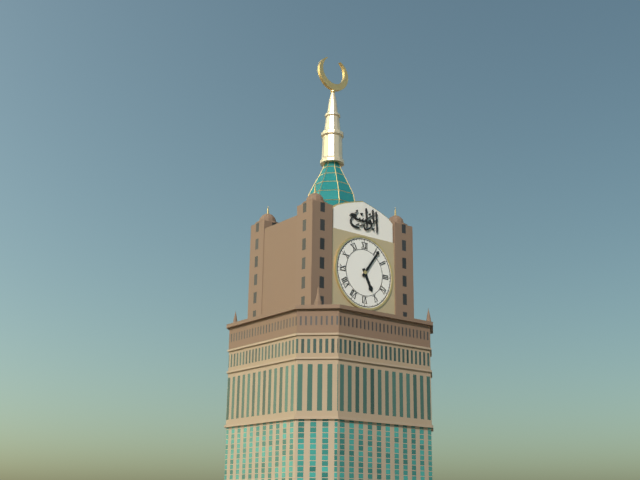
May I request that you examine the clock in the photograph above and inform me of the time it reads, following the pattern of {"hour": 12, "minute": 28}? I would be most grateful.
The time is {"hour": 5, "minute": 6}
